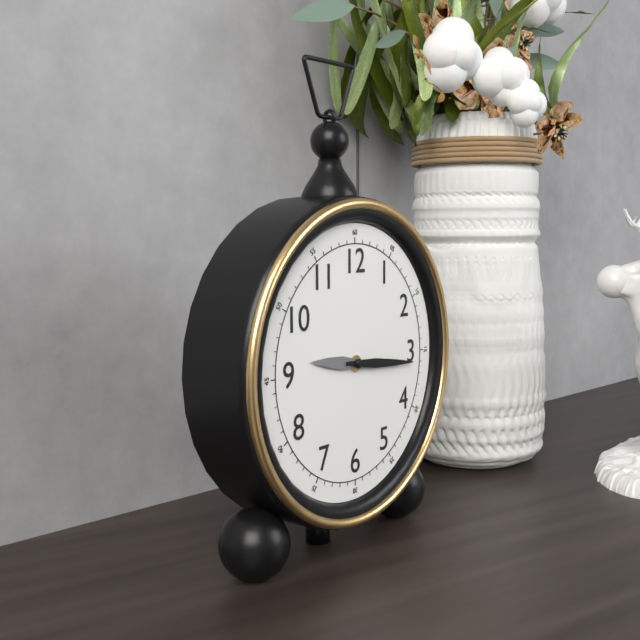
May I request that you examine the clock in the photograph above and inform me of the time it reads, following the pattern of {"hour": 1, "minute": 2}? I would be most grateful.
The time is {"hour": 9, "minute": 16}
